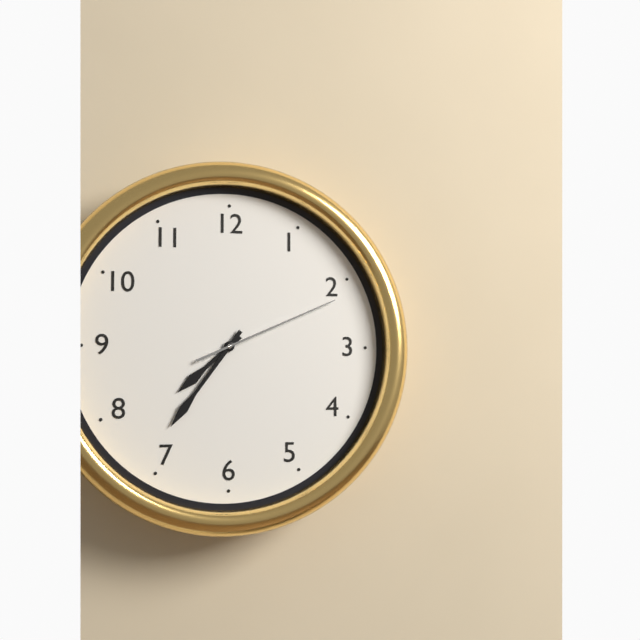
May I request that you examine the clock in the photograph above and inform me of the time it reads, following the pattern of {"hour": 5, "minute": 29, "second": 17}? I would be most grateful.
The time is {"hour": 7, "minute": 36, "second": 11}
